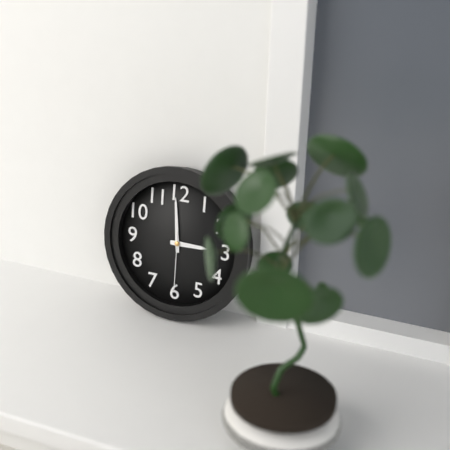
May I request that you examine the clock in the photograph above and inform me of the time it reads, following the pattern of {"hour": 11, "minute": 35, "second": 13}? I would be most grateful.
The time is {"hour": 2, "minute": 59, "second": 30}
